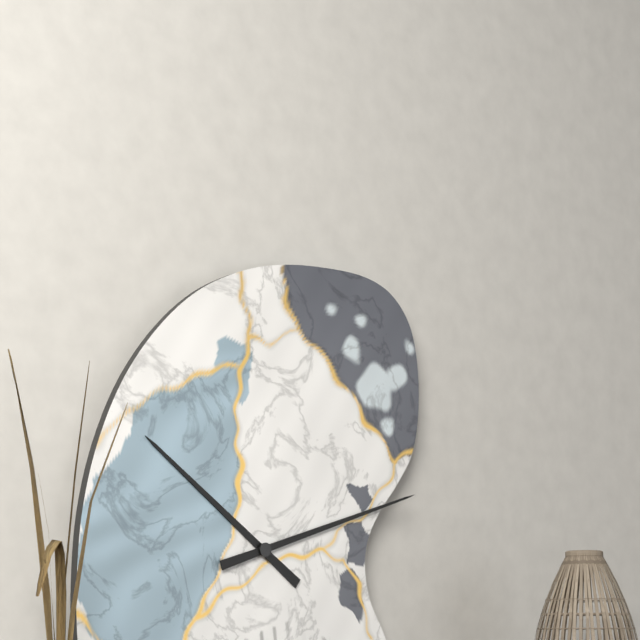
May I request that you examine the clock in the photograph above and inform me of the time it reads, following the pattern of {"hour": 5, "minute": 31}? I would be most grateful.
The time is {"hour": 10, "minute": 12}
